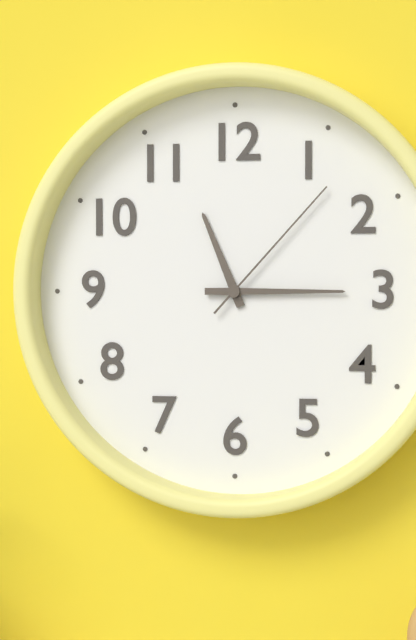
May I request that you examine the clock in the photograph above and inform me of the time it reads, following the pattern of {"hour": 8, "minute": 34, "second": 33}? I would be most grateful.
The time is {"hour": 11, "minute": 15, "second": 7}
